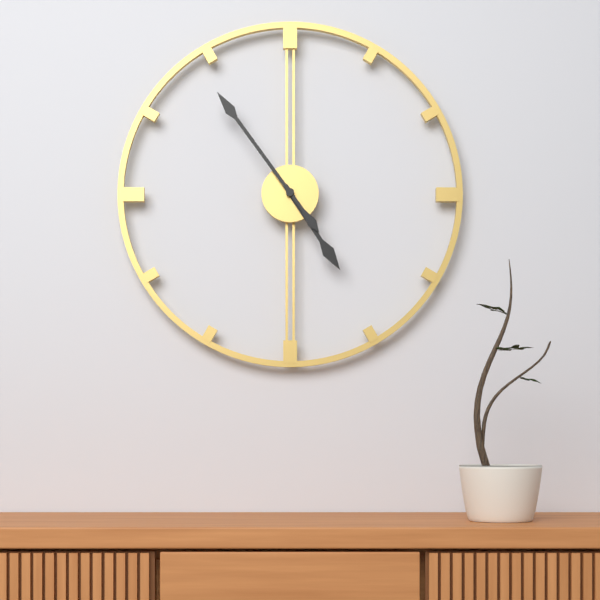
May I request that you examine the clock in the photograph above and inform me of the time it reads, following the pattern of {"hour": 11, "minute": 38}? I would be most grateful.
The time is {"hour": 4, "minute": 54}
